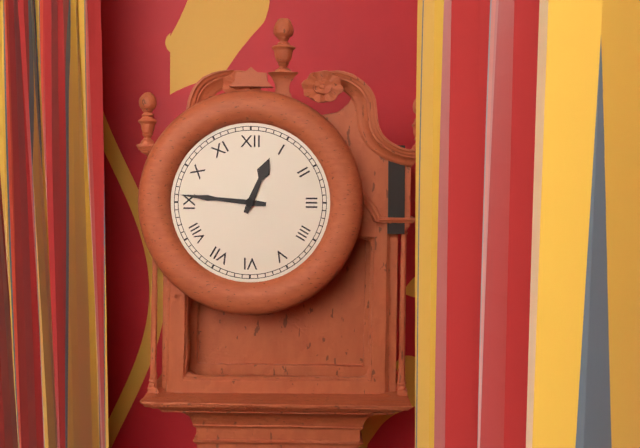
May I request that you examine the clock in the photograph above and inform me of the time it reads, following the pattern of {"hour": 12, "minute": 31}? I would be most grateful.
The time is {"hour": 12, "minute": 46}
